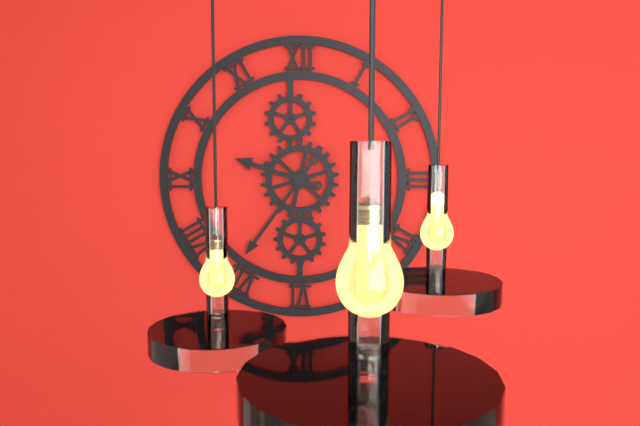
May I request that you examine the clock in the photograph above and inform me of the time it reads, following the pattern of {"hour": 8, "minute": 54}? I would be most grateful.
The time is {"hour": 9, "minute": 36}
